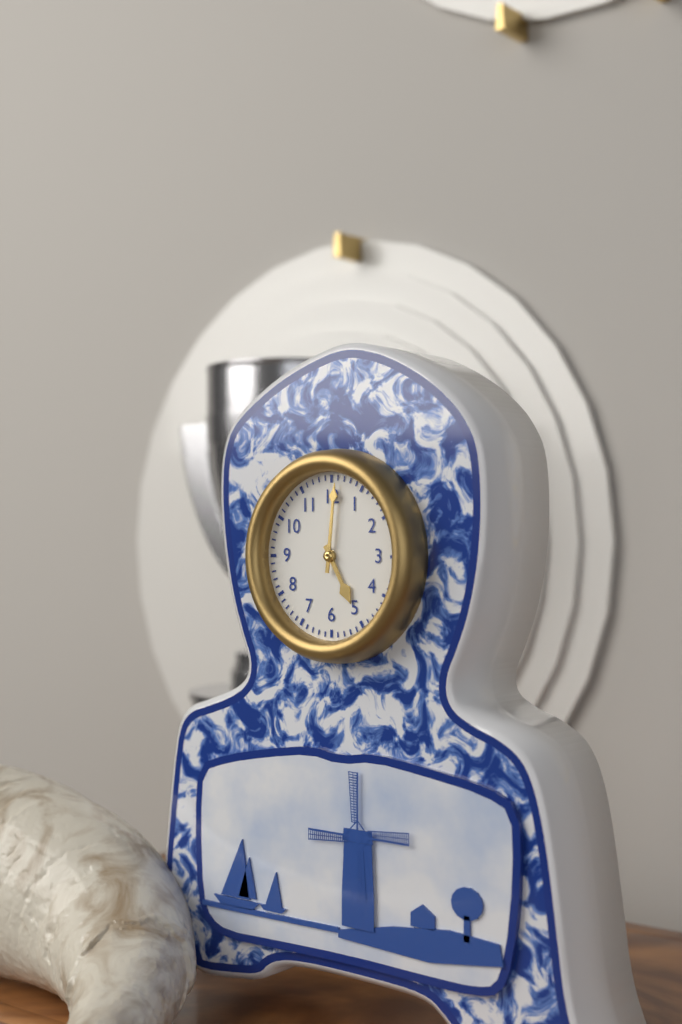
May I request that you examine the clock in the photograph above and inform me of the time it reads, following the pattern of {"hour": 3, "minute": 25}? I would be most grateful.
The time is {"hour": 5, "minute": 1}
